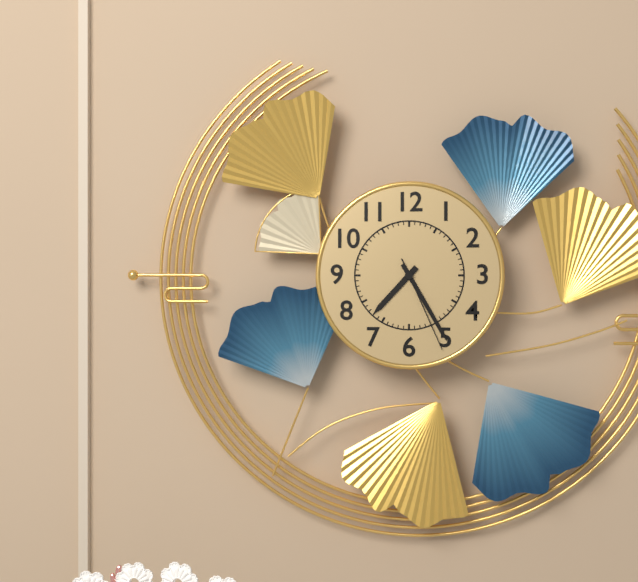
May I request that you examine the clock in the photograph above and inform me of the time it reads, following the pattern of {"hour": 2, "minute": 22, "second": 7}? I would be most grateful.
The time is {"hour": 7, "minute": 25, "second": 26}
